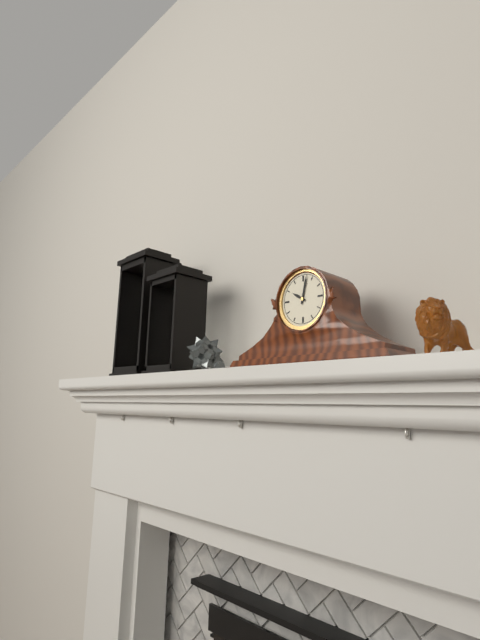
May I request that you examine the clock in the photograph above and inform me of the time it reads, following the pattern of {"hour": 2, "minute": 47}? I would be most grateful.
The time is {"hour": 10, "minute": 2}
